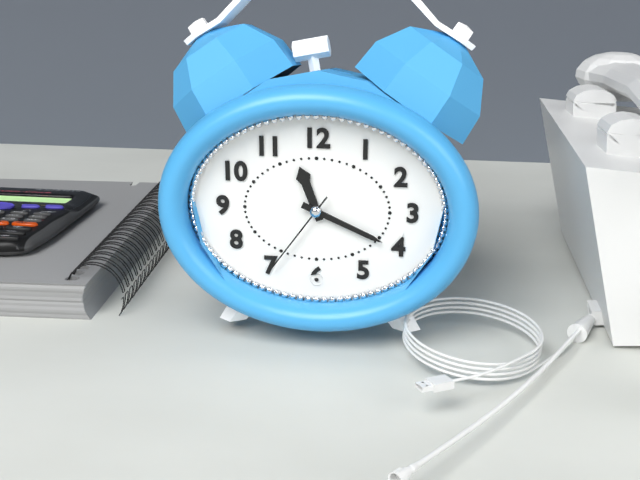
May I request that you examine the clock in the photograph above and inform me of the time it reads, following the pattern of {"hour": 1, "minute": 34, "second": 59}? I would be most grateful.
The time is {"hour": 11, "minute": 19, "second": 36}
